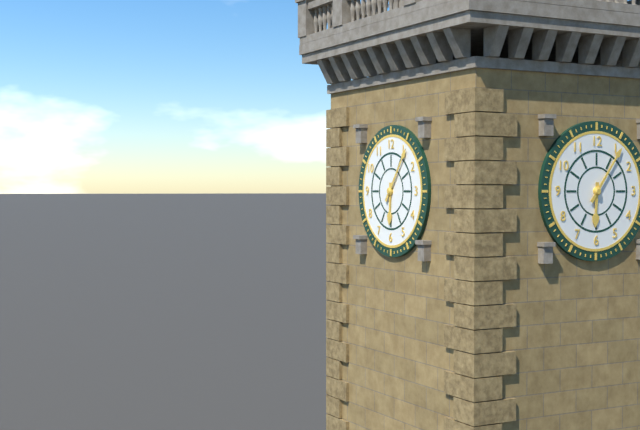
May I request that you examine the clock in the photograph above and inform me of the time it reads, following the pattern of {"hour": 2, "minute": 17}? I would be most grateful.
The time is {"hour": 6, "minute": 6}
